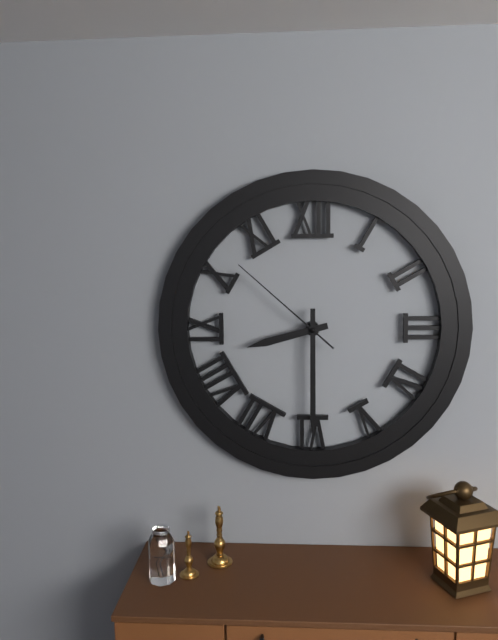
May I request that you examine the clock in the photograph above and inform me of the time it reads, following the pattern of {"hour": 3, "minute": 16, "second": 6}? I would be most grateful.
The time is {"hour": 8, "minute": 30, "second": 52}
